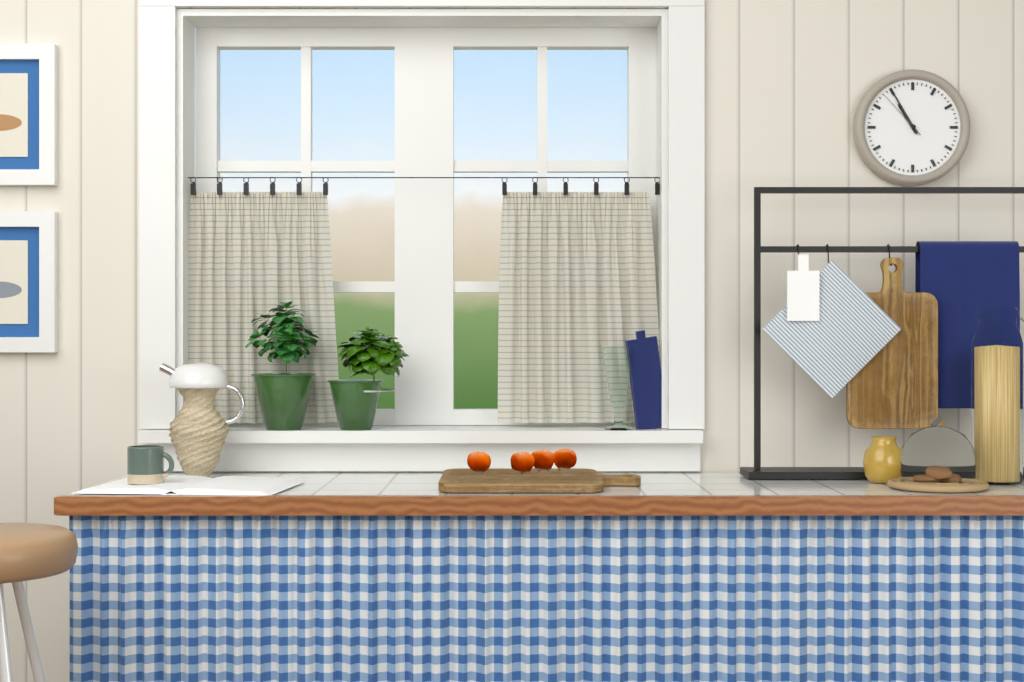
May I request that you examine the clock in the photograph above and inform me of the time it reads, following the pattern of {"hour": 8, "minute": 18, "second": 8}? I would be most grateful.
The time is {"hour": 10, "minute": 55, "second": 53}
